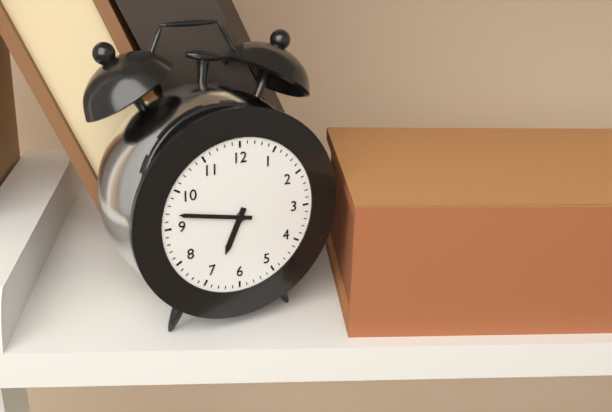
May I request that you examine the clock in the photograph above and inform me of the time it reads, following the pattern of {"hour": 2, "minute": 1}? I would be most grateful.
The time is {"hour": 6, "minute": 47}
